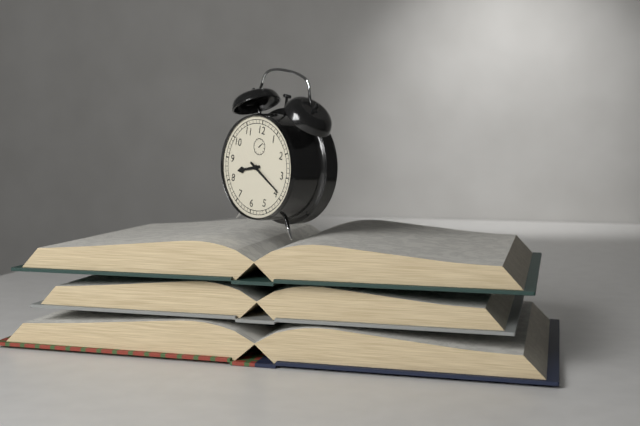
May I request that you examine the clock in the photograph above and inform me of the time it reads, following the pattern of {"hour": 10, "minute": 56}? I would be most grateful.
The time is {"hour": 8, "minute": 19}
